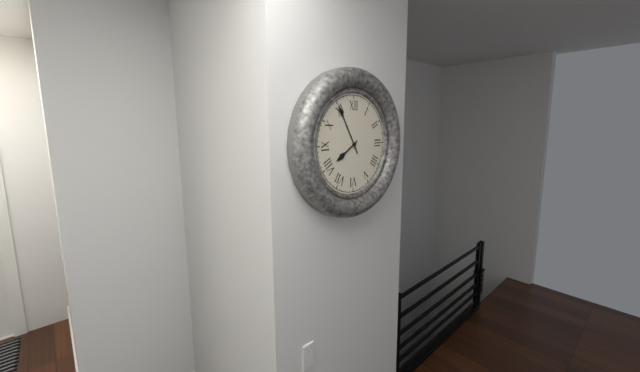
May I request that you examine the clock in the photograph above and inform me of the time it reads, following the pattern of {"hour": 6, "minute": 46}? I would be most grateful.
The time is {"hour": 7, "minute": 55}
